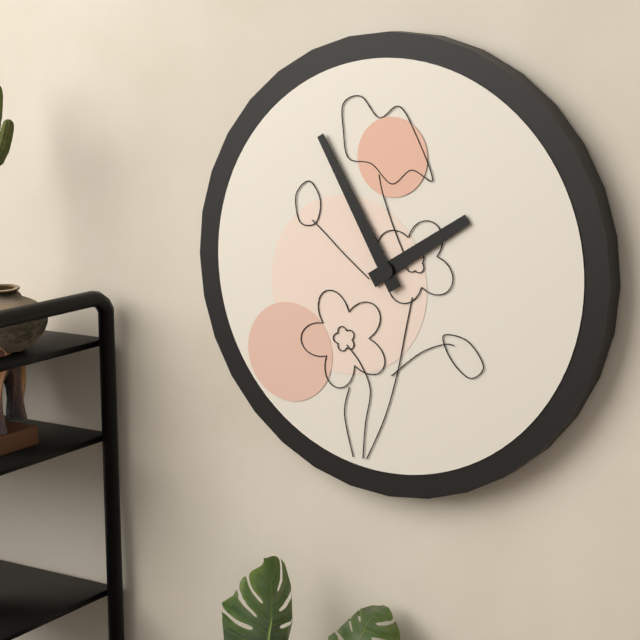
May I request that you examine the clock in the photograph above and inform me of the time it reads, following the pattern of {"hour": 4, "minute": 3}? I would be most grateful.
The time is {"hour": 1, "minute": 55}
